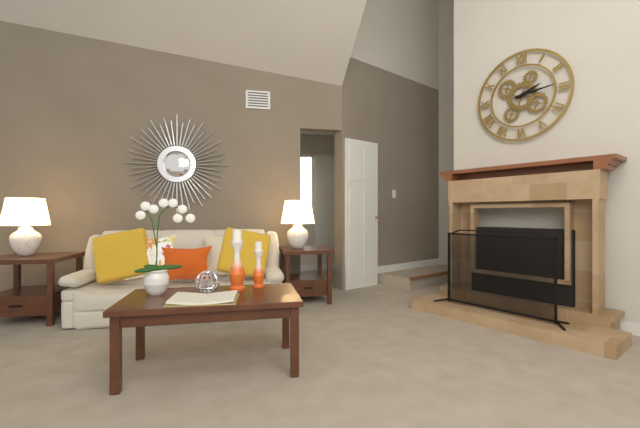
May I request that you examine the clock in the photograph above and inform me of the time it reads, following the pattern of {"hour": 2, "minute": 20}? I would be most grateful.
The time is {"hour": 2, "minute": 14}
